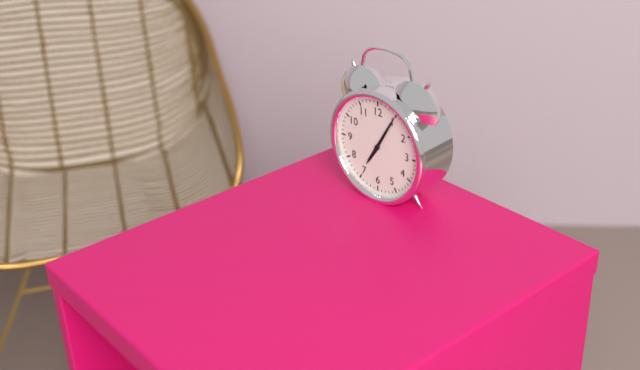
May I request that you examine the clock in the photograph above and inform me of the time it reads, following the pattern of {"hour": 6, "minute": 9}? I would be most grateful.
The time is {"hour": 7, "minute": 5}
